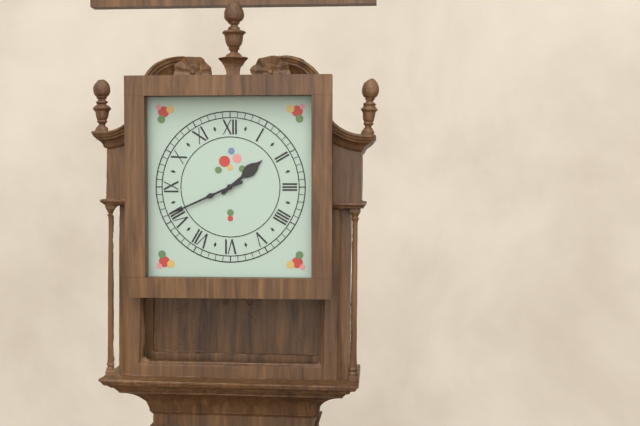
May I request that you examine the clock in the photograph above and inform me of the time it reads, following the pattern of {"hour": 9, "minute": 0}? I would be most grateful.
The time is {"hour": 1, "minute": 41}
